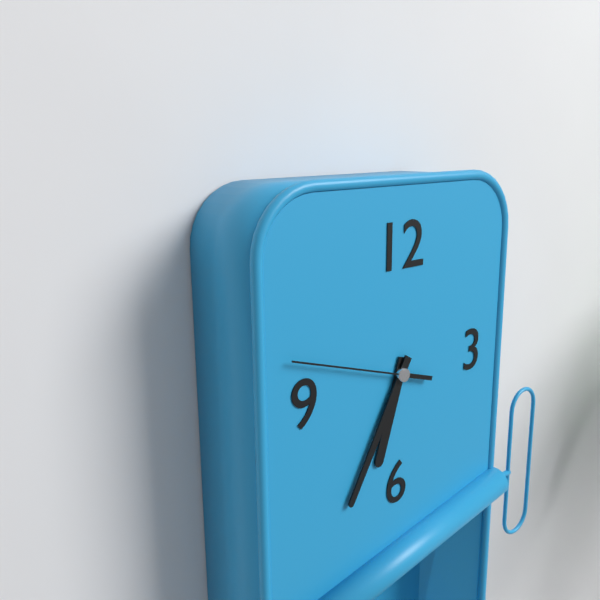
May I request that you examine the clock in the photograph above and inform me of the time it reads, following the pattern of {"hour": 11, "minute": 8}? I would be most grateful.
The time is {"hour": 6, "minute": 35}
